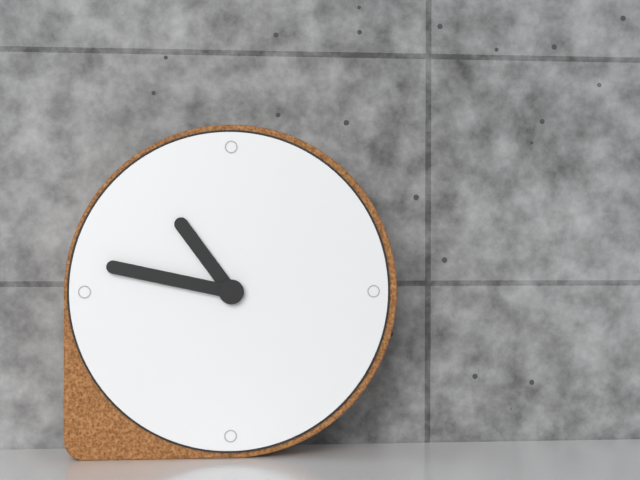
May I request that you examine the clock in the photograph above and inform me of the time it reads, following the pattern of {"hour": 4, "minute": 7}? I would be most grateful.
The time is {"hour": 10, "minute": 47}
